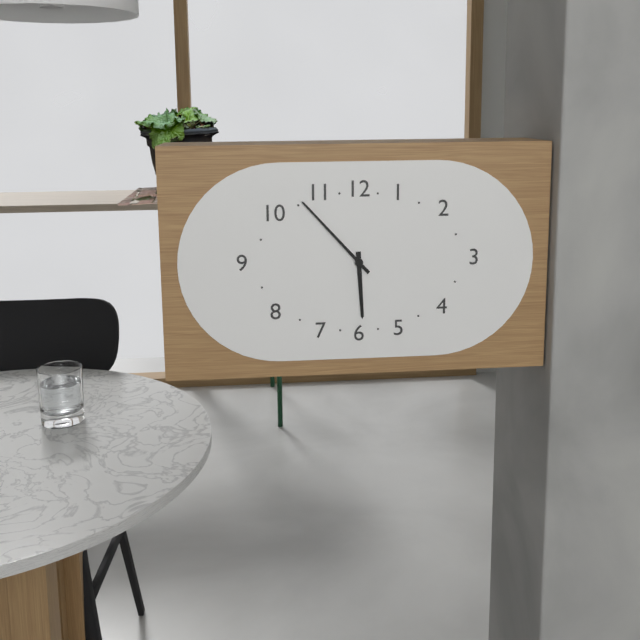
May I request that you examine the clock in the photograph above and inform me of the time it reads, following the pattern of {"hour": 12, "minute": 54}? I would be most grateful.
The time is {"hour": 5, "minute": 53}
